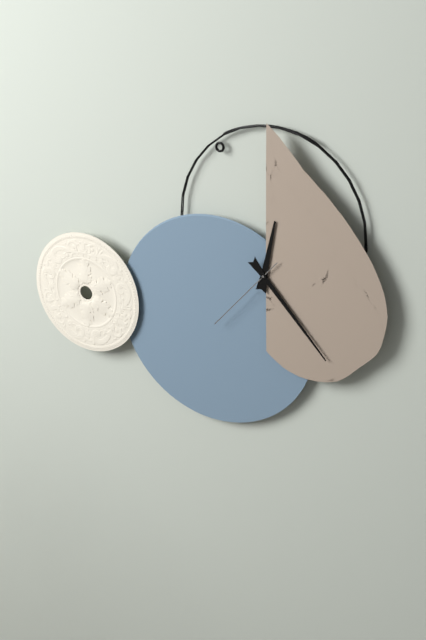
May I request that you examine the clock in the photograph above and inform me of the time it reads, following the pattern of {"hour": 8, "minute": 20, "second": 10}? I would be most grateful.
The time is {"hour": 12, "minute": 23, "second": 37}
